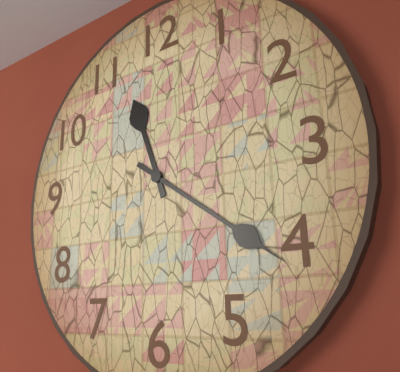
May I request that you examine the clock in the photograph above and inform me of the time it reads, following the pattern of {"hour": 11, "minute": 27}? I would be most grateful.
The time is {"hour": 11, "minute": 21}
